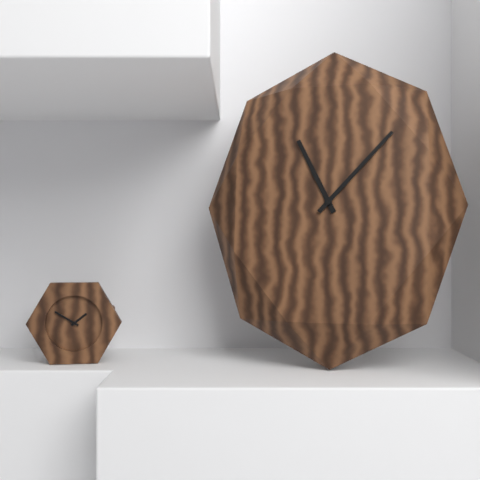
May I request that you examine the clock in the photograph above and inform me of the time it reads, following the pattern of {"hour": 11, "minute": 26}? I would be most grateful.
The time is {"hour": 11, "minute": 7}
